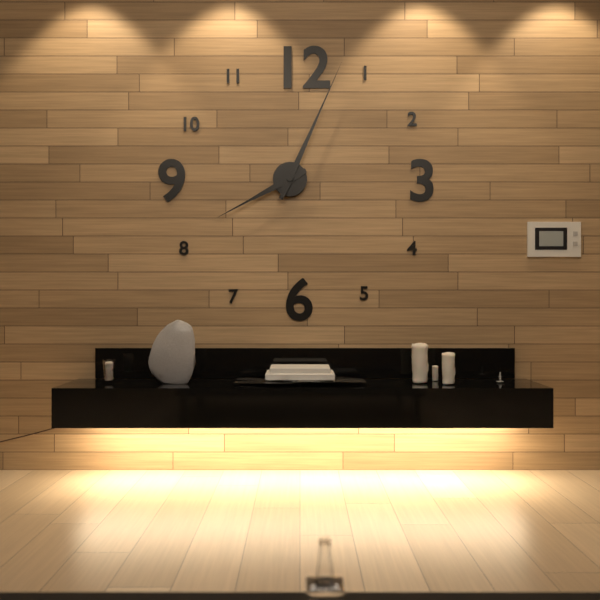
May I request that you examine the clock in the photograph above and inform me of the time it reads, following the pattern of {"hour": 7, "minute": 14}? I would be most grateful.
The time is {"hour": 8, "minute": 4}
